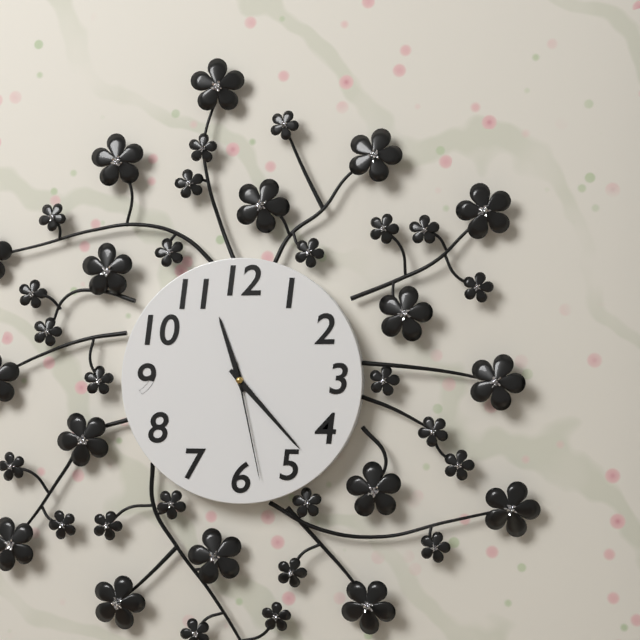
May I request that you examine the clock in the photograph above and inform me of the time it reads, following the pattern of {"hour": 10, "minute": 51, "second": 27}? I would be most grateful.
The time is {"hour": 11, "minute": 23, "second": 28}
